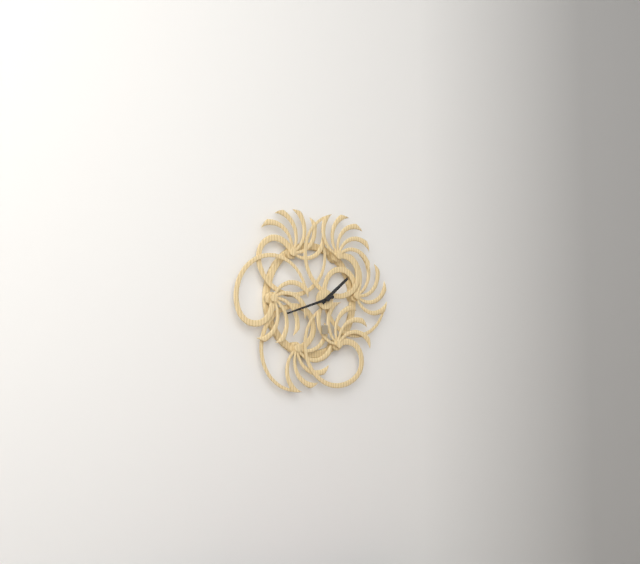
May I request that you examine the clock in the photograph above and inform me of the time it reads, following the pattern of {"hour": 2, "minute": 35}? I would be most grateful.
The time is {"hour": 1, "minute": 42}
